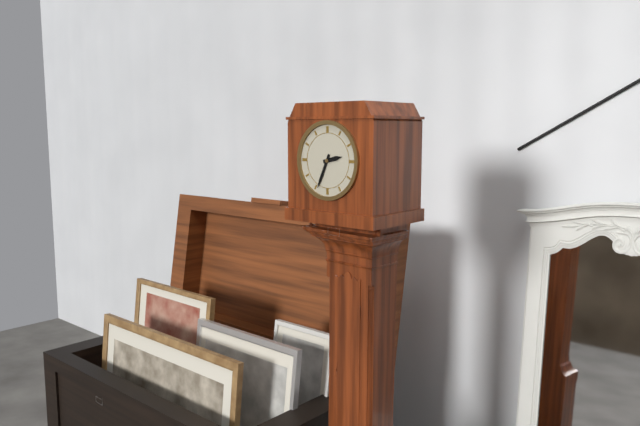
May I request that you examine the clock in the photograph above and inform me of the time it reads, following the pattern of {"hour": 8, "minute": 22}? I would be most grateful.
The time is {"hour": 2, "minute": 34}
